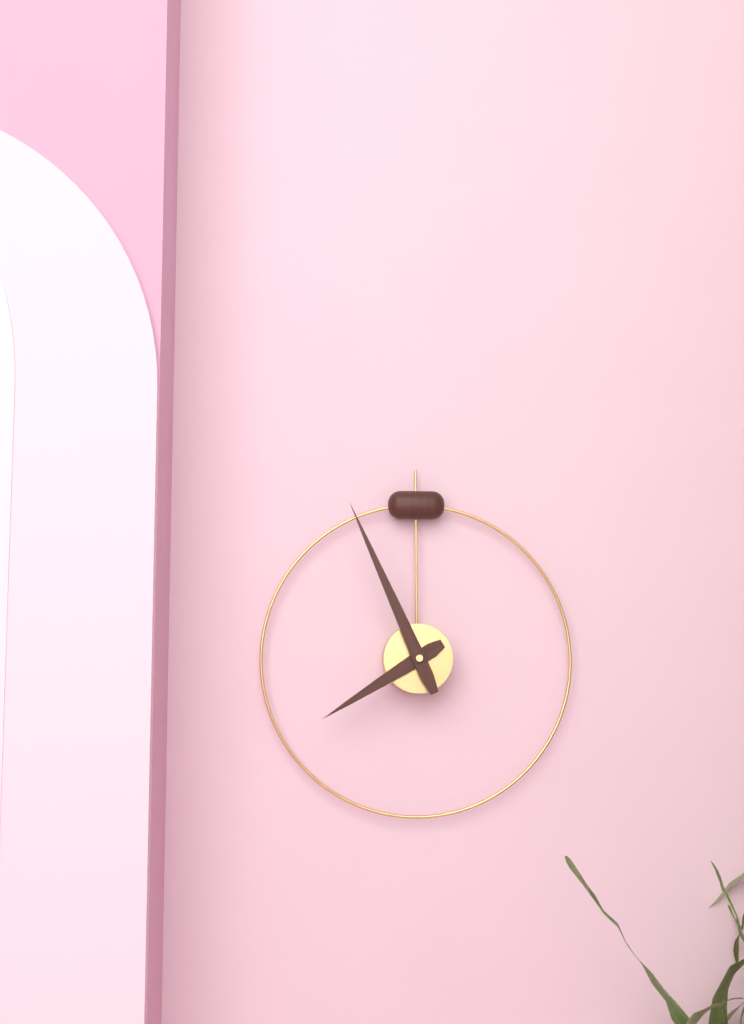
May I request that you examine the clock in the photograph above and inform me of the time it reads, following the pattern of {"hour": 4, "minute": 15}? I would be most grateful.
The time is {"hour": 7, "minute": 56}
